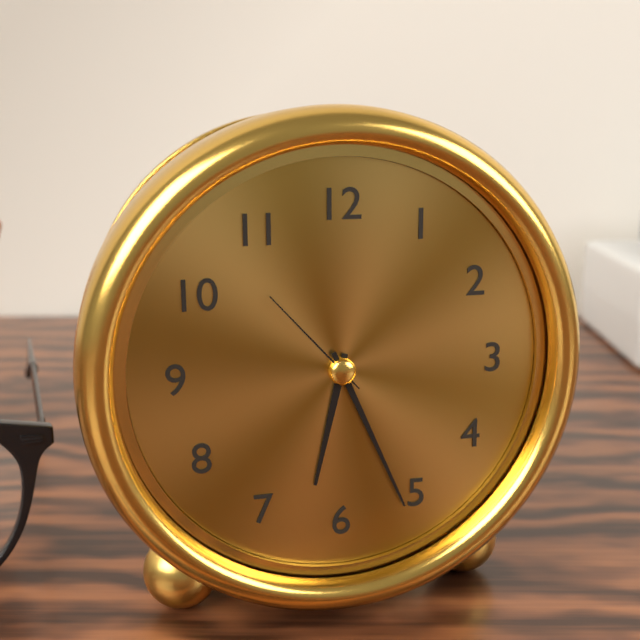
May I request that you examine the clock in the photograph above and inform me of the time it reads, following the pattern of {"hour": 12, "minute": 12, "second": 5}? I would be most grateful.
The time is {"hour": 6, "minute": 26, "second": 53}
